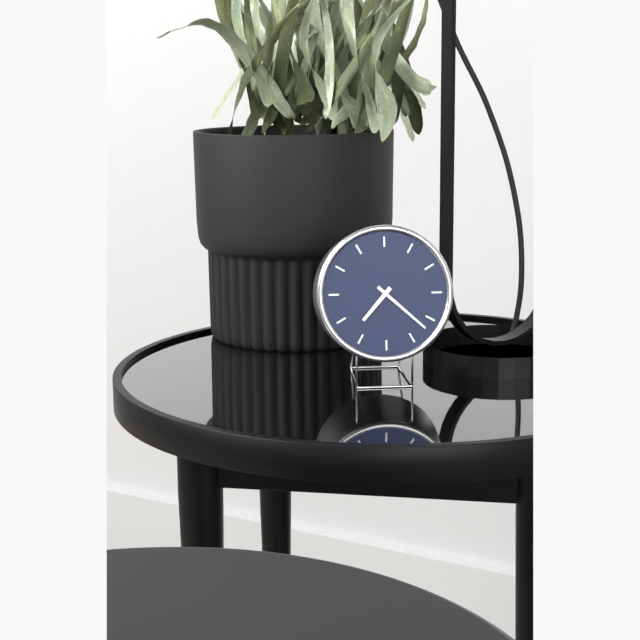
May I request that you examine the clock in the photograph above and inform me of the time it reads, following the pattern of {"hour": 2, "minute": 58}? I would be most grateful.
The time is {"hour": 7, "minute": 22}
